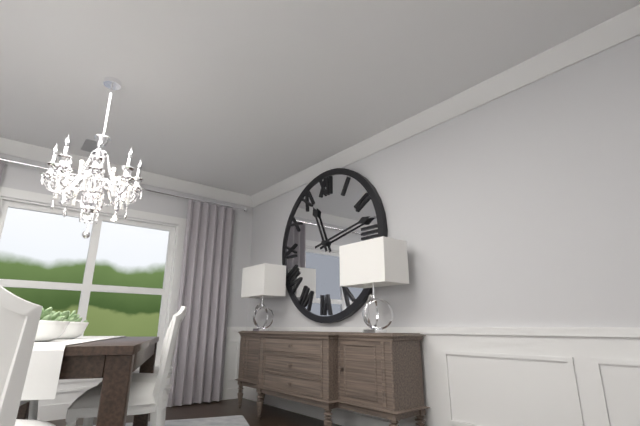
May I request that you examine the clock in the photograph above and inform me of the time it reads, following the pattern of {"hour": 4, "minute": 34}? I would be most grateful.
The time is {"hour": 11, "minute": 13}
